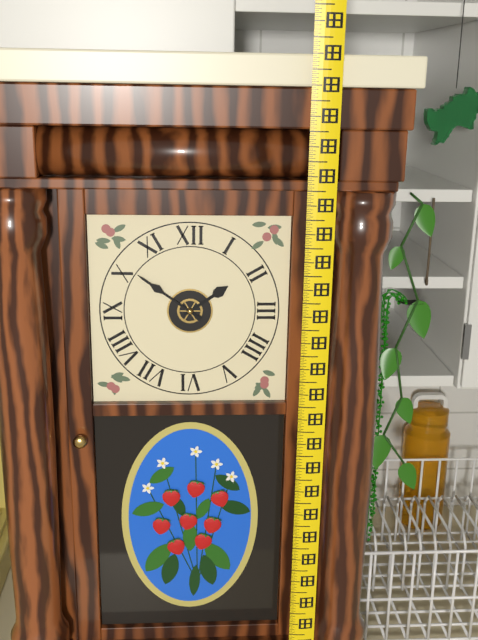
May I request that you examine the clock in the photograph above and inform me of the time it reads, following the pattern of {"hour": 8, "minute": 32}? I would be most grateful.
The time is {"hour": 1, "minute": 51}
